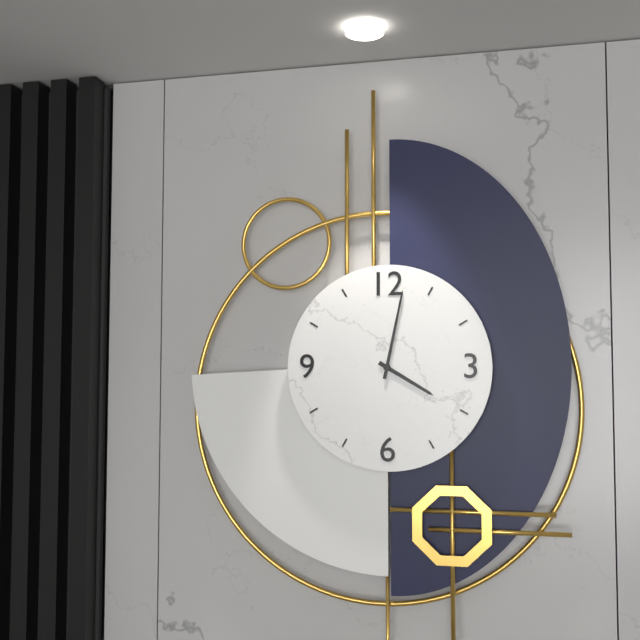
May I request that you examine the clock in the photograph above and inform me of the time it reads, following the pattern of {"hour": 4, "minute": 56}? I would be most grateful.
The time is {"hour": 4, "minute": 2}
